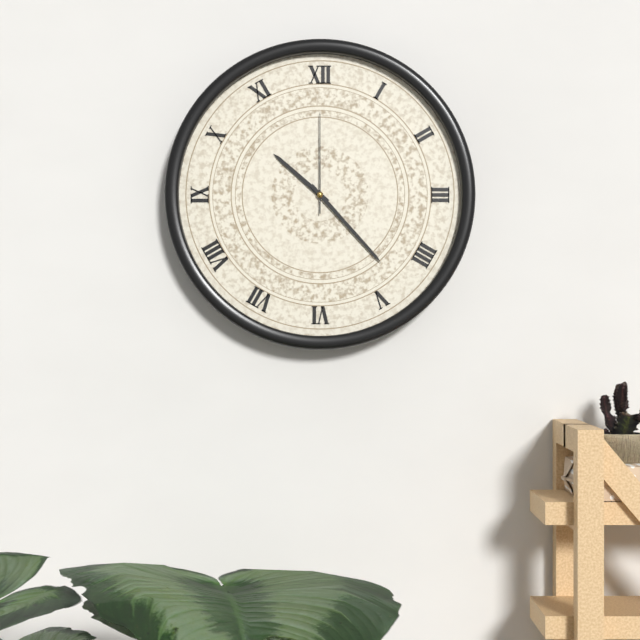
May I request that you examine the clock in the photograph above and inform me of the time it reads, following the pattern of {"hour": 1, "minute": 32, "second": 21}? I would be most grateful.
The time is {"hour": 10, "minute": 23, "second": 0}
